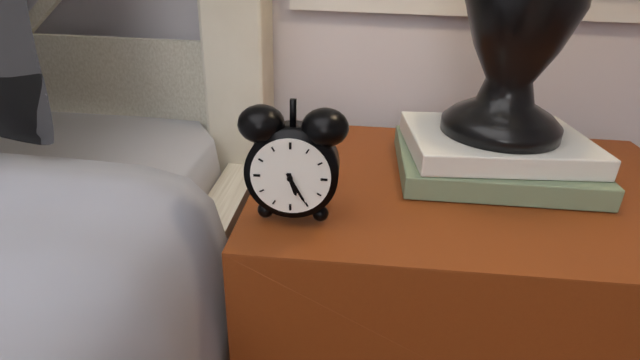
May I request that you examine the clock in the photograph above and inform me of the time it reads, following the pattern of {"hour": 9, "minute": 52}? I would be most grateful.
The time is {"hour": 5, "minute": 25}
